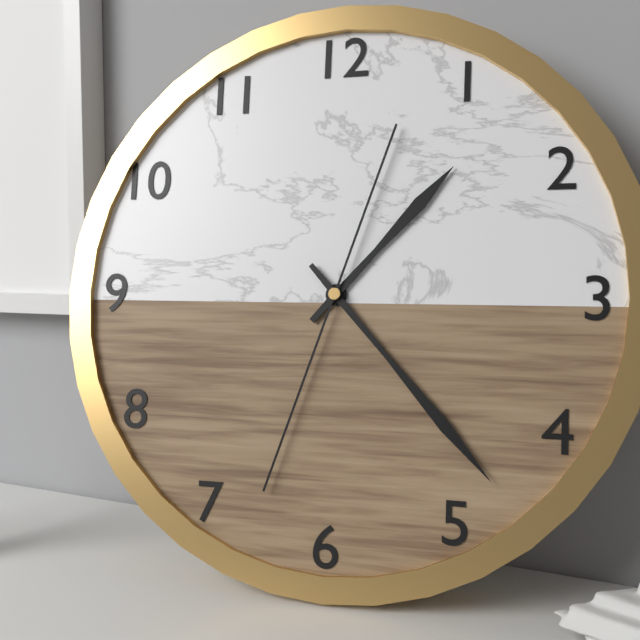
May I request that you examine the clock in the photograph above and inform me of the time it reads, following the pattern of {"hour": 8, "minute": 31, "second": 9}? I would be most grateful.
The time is {"hour": 1, "minute": 23, "second": 33}
